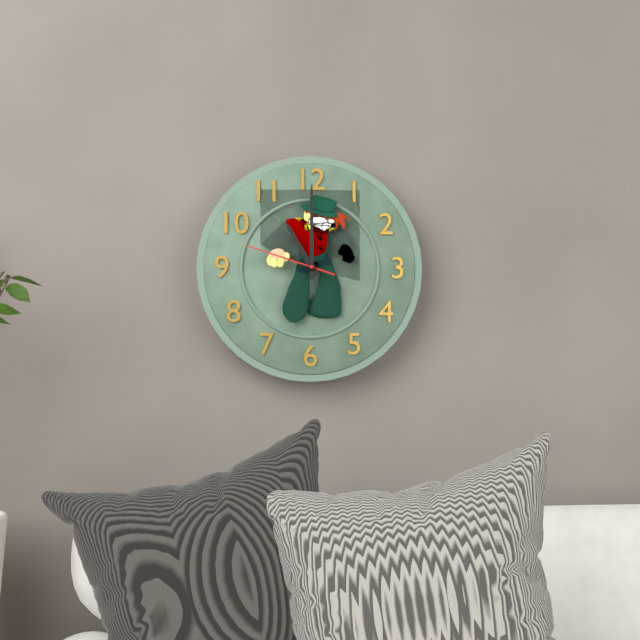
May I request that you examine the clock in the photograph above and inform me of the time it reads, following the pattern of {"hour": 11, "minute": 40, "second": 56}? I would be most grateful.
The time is {"hour": 11, "minute": 0, "second": 48}
